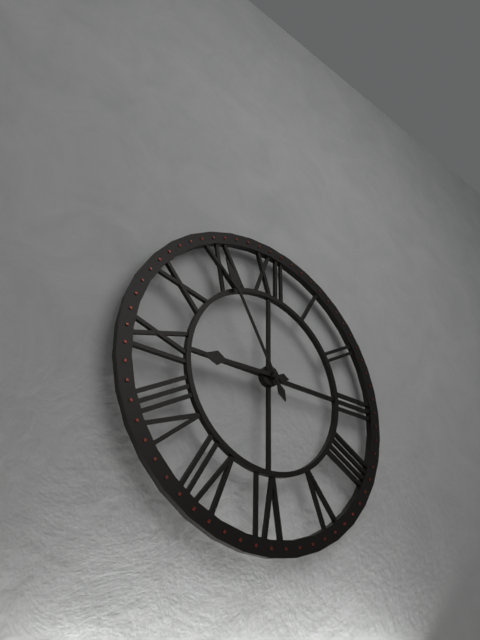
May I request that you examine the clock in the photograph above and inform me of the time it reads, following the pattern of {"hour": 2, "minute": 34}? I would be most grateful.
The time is {"hour": 8, "minute": 55}
